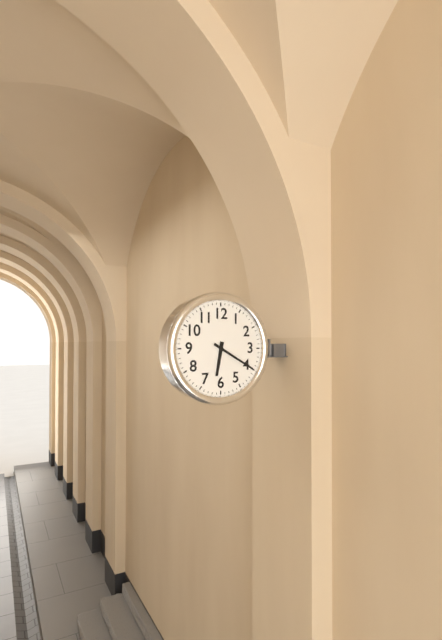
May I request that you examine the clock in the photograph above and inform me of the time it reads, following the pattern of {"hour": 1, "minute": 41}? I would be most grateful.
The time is {"hour": 6, "minute": 20}
